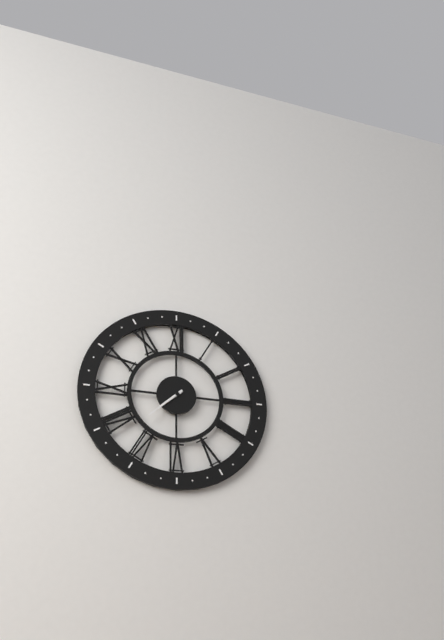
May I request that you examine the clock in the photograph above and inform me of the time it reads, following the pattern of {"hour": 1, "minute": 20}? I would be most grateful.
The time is {"hour": 7, "minute": 38}
